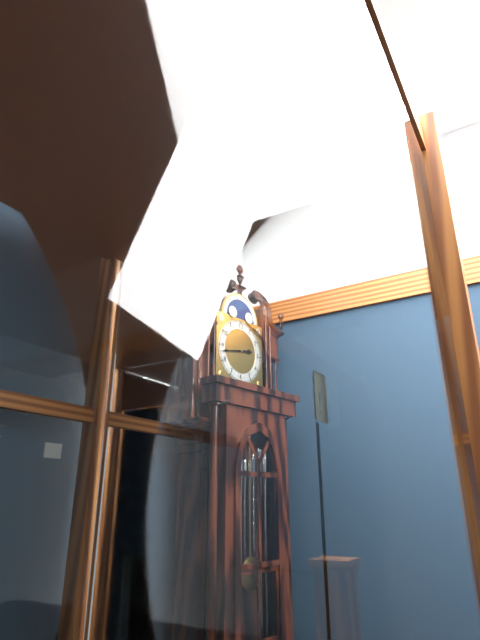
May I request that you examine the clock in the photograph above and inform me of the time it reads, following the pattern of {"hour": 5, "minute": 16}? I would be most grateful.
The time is {"hour": 2, "minute": 43}
